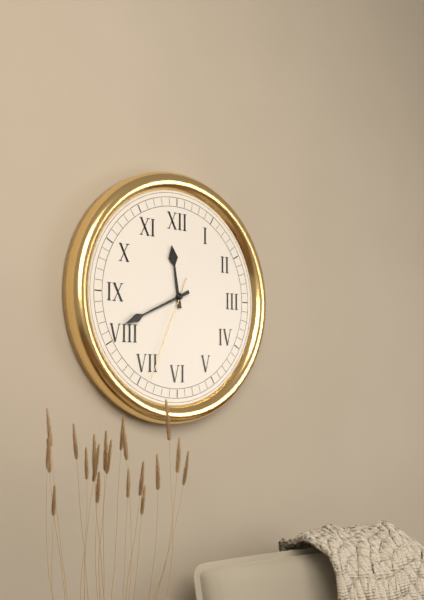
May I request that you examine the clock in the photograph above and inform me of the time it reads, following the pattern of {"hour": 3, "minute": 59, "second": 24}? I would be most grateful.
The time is {"hour": 11, "minute": 41, "second": 34}
